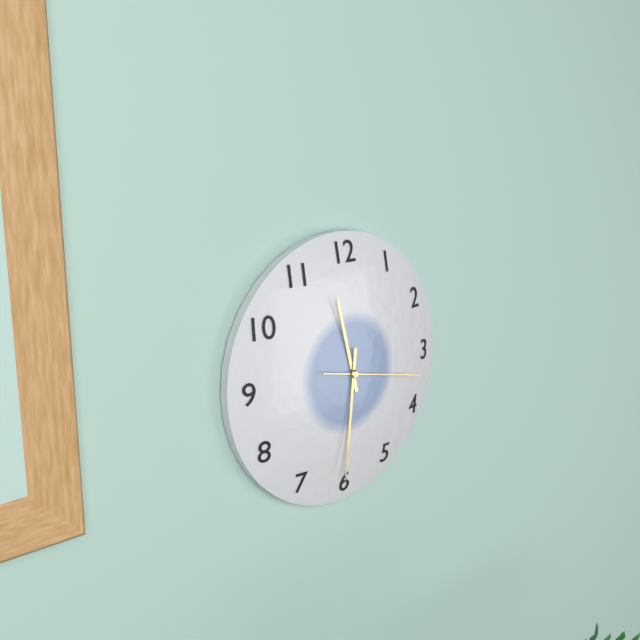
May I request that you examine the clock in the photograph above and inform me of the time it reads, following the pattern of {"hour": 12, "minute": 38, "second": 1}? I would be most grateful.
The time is {"hour": 11, "minute": 31, "second": 17}
